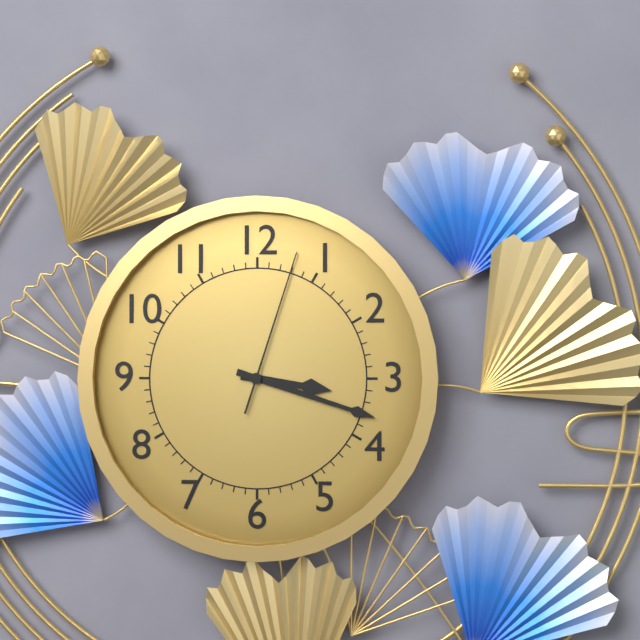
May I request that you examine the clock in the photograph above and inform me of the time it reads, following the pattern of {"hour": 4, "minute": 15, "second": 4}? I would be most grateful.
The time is {"hour": 3, "minute": 18, "second": 3}
